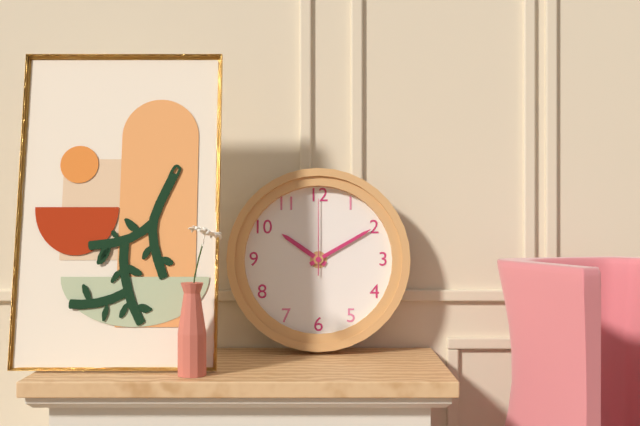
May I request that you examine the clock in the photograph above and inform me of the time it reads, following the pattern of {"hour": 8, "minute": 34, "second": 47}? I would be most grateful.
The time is {"hour": 10, "minute": 10, "second": 0}
